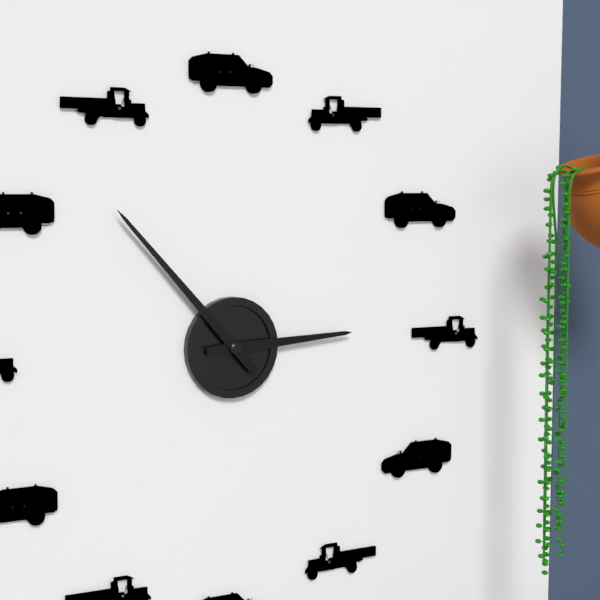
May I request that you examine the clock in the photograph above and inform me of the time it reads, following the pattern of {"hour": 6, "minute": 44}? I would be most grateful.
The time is {"hour": 2, "minute": 53}
